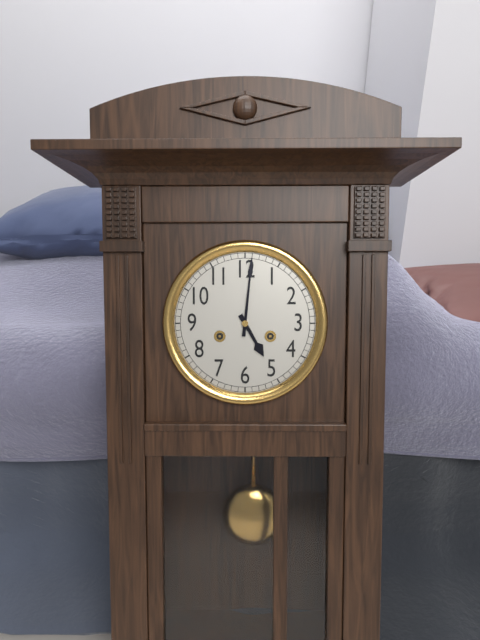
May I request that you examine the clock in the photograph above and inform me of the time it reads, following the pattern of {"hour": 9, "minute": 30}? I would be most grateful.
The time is {"hour": 5, "minute": 1}
